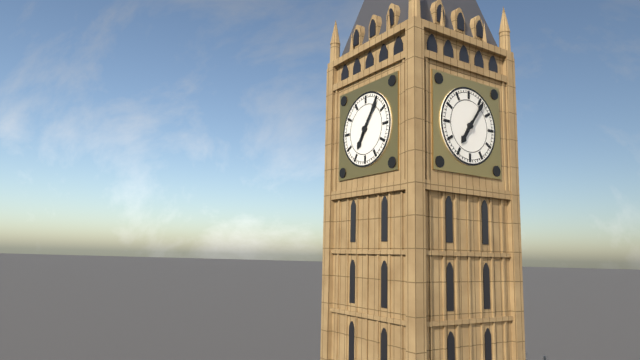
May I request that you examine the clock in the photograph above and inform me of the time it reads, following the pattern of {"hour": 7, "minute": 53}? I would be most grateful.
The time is {"hour": 7, "minute": 6}
